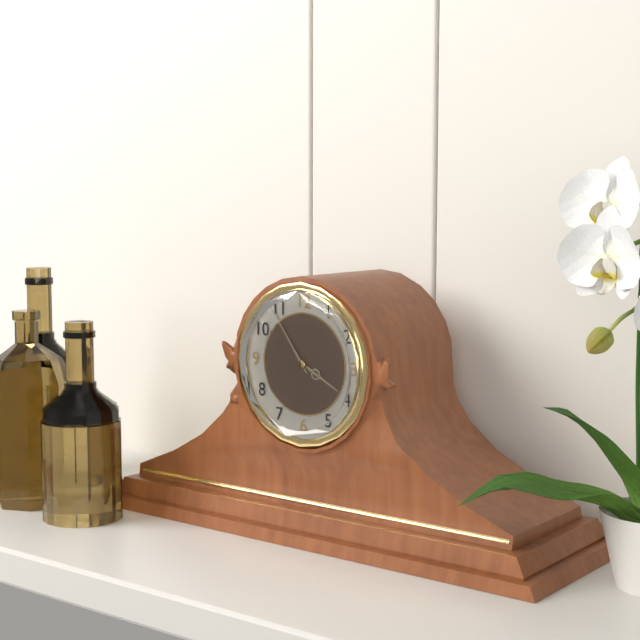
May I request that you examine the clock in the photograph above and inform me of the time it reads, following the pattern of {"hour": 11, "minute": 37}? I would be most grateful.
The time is {"hour": 3, "minute": 54}
